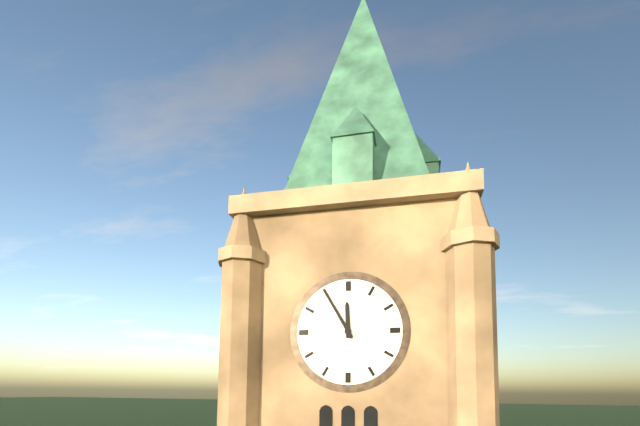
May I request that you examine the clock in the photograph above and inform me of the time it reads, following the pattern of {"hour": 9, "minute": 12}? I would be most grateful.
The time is {"hour": 11, "minute": 55}
